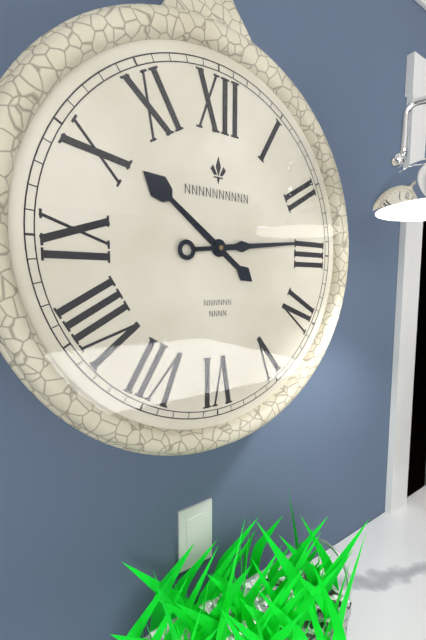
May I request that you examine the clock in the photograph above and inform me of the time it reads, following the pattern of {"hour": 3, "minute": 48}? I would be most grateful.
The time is {"hour": 10, "minute": 14}
